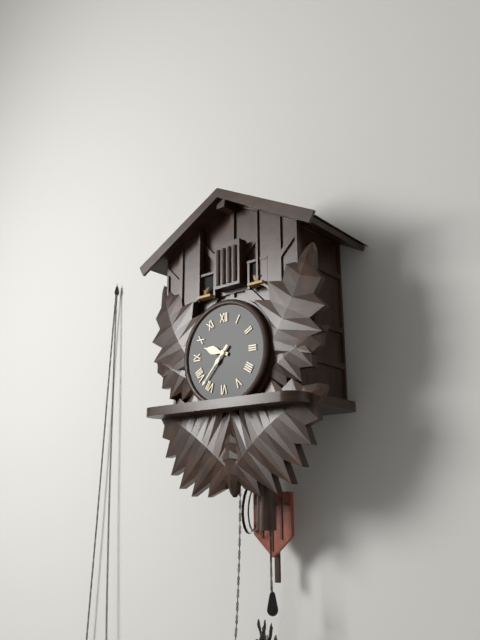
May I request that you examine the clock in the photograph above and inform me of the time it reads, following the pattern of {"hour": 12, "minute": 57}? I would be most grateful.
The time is {"hour": 9, "minute": 37}
